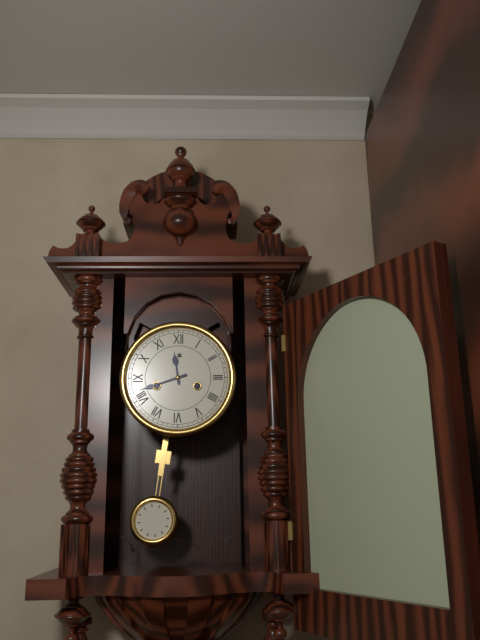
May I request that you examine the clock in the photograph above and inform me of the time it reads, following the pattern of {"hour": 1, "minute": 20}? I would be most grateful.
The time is {"hour": 11, "minute": 42}
